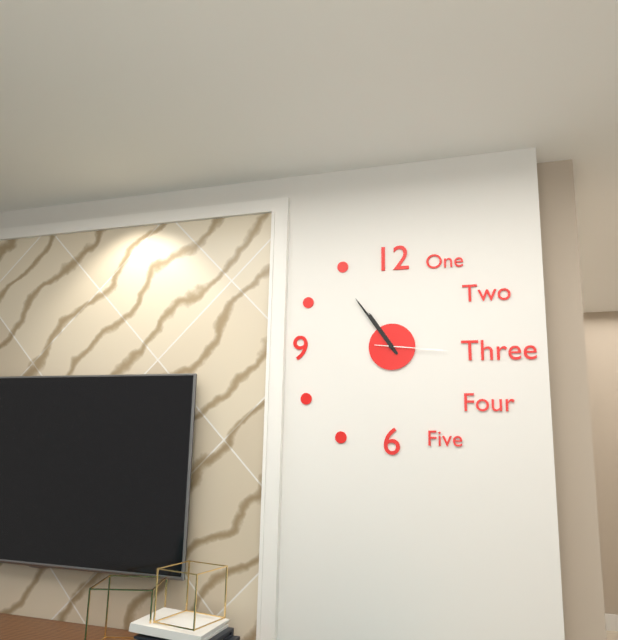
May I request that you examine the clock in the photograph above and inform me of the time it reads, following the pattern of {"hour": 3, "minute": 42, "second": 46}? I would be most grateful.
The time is {"hour": 10, "minute": 54, "second": 16}
